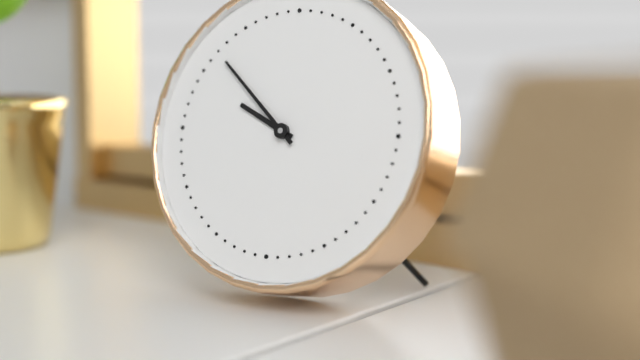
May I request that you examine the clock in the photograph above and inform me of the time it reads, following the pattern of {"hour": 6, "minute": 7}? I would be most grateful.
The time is {"hour": 9, "minute": 52}
